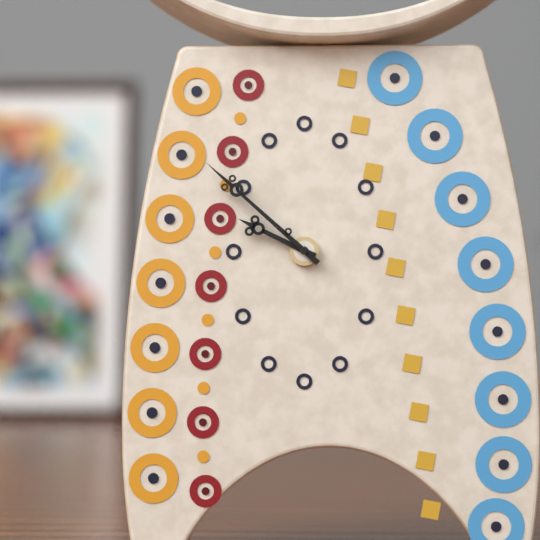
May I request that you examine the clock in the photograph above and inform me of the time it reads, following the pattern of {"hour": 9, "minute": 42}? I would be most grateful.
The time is {"hour": 9, "minute": 52}
